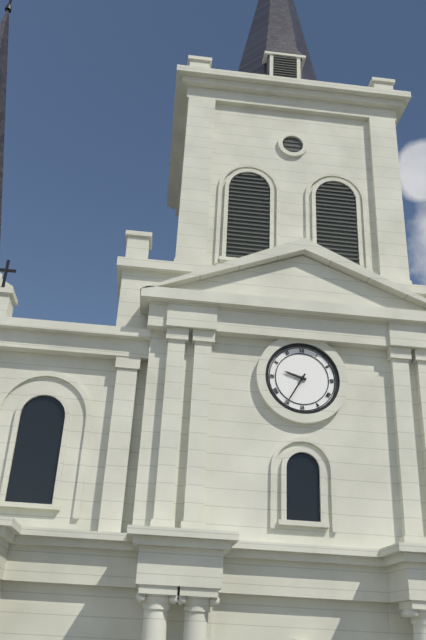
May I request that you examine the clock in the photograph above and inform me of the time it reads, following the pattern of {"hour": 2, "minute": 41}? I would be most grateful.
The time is {"hour": 9, "minute": 35}
